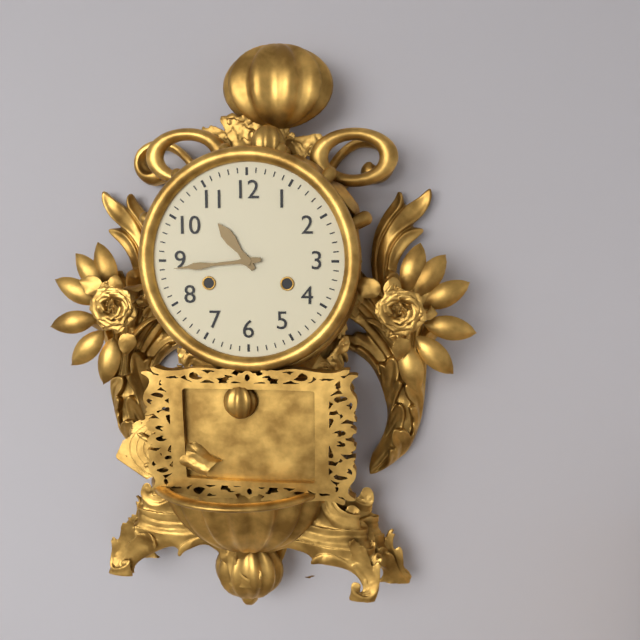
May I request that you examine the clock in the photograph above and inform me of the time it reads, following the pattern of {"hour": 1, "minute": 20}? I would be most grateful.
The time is {"hour": 10, "minute": 44}
